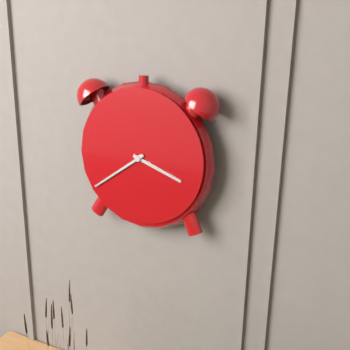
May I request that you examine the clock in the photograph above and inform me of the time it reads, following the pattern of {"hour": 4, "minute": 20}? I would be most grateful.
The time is {"hour": 3, "minute": 39}
